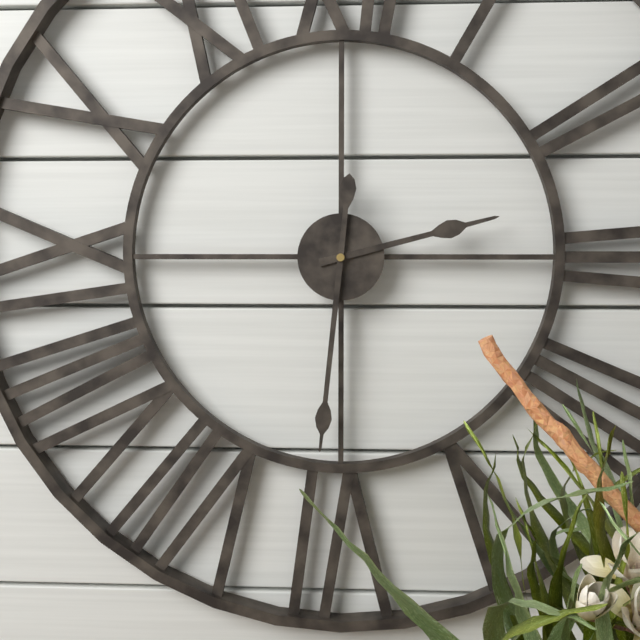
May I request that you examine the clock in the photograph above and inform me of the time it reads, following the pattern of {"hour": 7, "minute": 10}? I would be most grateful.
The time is {"hour": 2, "minute": 31}
